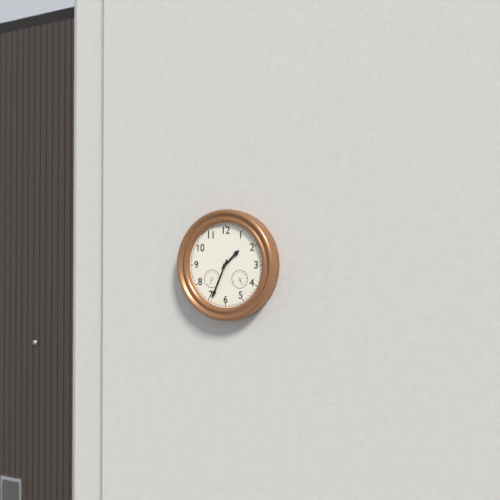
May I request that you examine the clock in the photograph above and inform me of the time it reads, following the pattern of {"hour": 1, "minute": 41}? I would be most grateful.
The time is {"hour": 1, "minute": 34}
